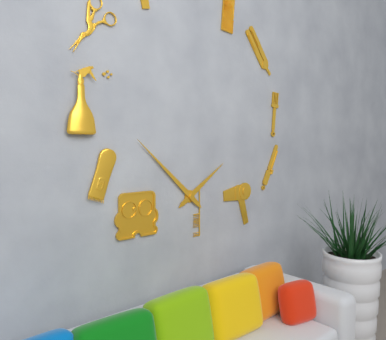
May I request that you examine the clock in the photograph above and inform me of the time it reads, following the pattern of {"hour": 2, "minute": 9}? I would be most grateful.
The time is {"hour": 1, "minute": 52}
